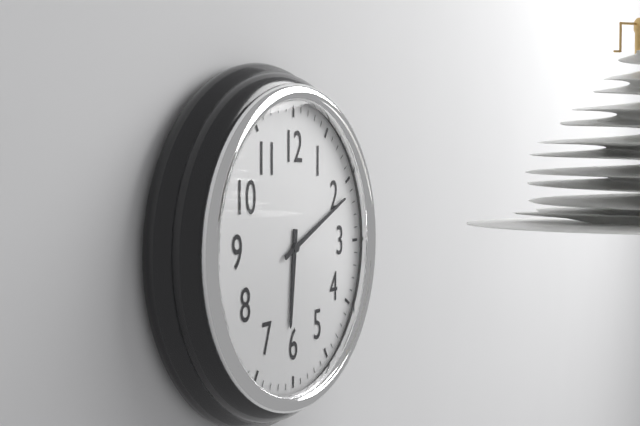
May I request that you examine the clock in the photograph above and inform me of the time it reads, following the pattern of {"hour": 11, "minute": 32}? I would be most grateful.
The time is {"hour": 6, "minute": 11}
